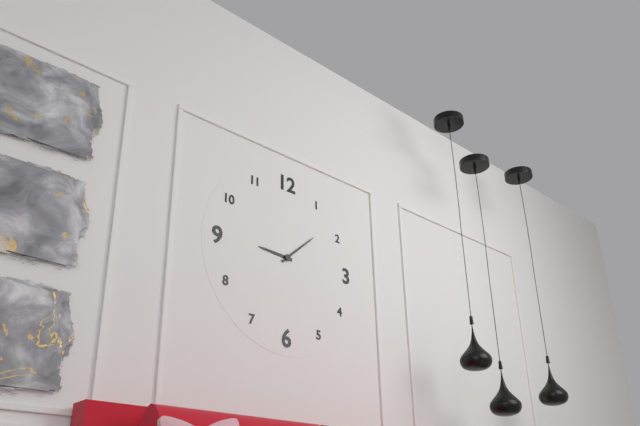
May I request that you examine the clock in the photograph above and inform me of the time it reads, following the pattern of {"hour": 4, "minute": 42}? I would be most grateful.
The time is {"hour": 9, "minute": 8}
